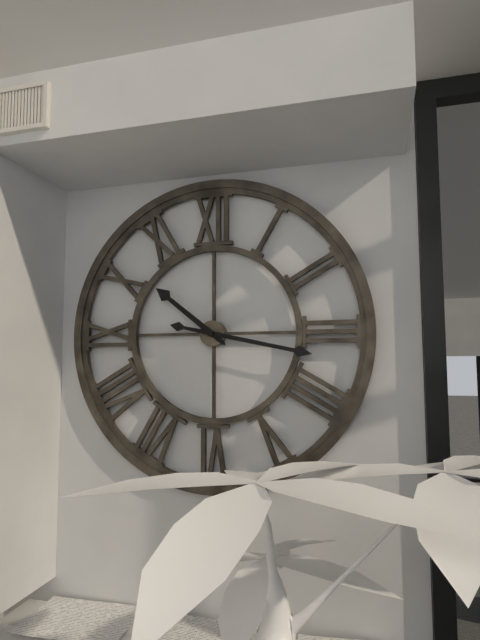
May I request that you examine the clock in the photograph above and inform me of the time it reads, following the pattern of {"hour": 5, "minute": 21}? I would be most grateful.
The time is {"hour": 10, "minute": 17}
